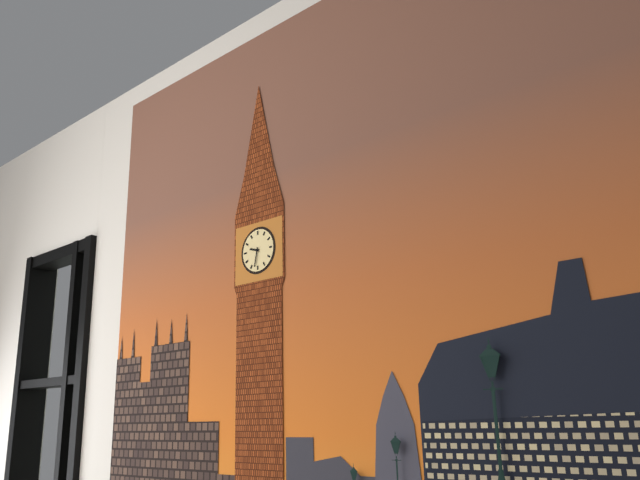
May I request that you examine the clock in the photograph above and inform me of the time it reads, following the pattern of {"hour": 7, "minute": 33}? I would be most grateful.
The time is {"hour": 9, "minute": 32}
